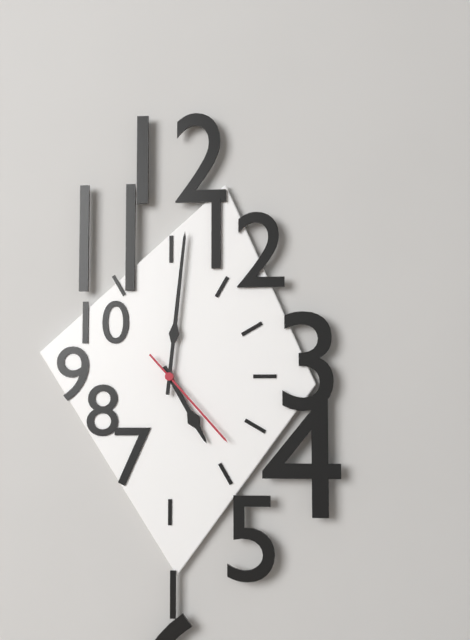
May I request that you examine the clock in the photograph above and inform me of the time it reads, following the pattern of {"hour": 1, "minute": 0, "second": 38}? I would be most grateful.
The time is {"hour": 5, "minute": 1, "second": 23}
